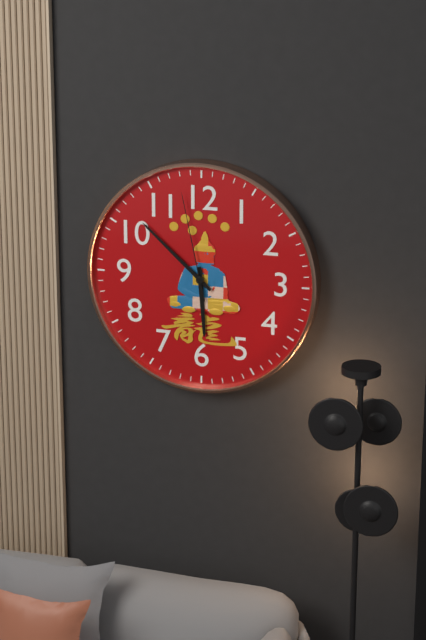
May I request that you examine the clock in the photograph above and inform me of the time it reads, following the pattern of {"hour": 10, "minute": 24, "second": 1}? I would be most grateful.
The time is {"hour": 5, "minute": 52, "second": 58}
